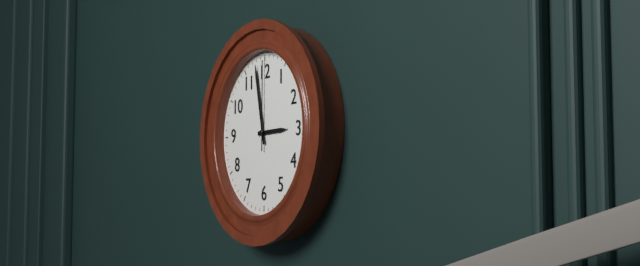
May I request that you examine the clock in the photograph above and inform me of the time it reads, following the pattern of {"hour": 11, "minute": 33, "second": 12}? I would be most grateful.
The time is {"hour": 2, "minute": 58, "second": 0}
